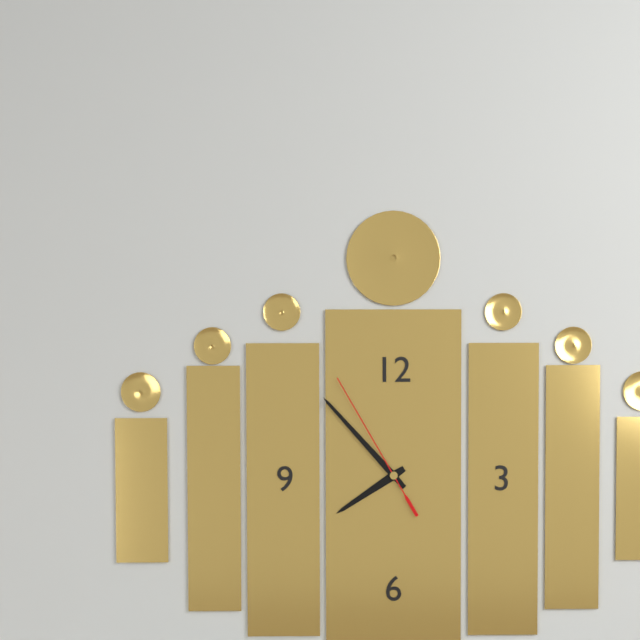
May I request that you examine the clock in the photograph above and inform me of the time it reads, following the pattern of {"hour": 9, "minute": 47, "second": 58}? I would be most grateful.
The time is {"hour": 7, "minute": 53, "second": 55}
